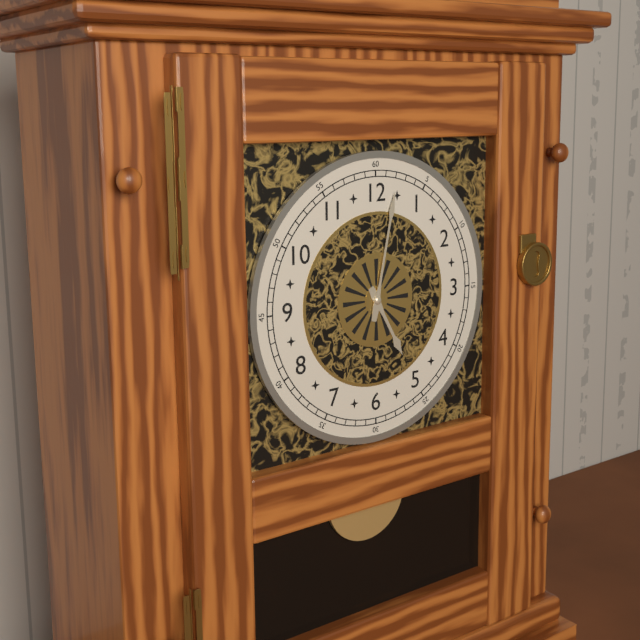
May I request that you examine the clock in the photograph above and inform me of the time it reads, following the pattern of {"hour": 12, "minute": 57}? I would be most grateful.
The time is {"hour": 5, "minute": 2}
